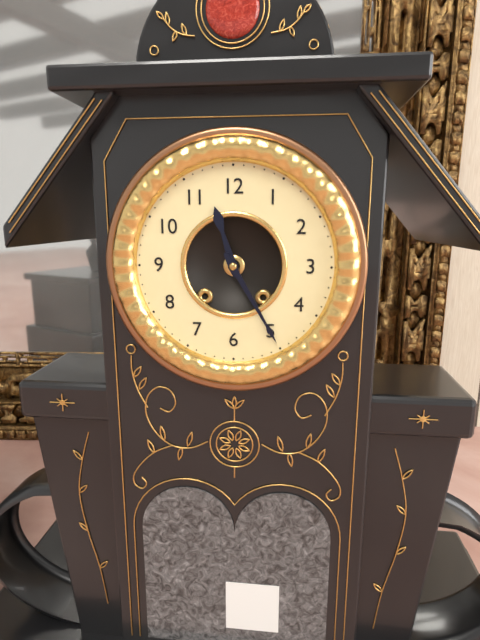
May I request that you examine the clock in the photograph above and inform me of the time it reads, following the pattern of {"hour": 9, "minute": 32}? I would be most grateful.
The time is {"hour": 11, "minute": 25}
